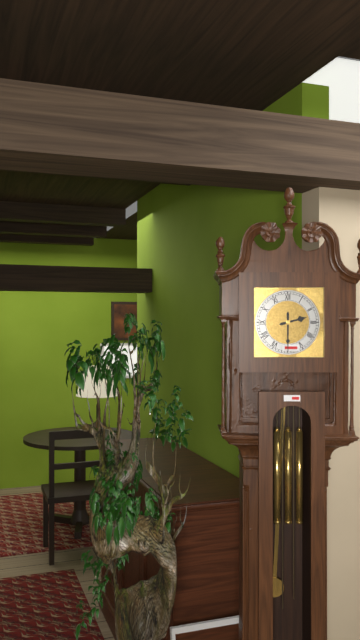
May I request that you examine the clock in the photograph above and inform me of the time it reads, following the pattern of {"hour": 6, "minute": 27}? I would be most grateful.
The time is {"hour": 2, "minute": 30}
